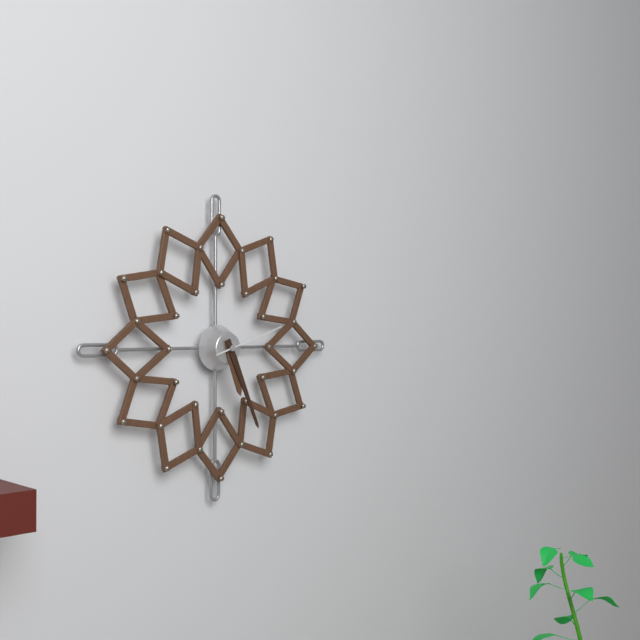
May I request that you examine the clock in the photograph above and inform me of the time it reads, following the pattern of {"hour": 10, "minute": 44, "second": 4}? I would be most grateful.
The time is {"hour": 5, "minute": 26, "second": 12}
